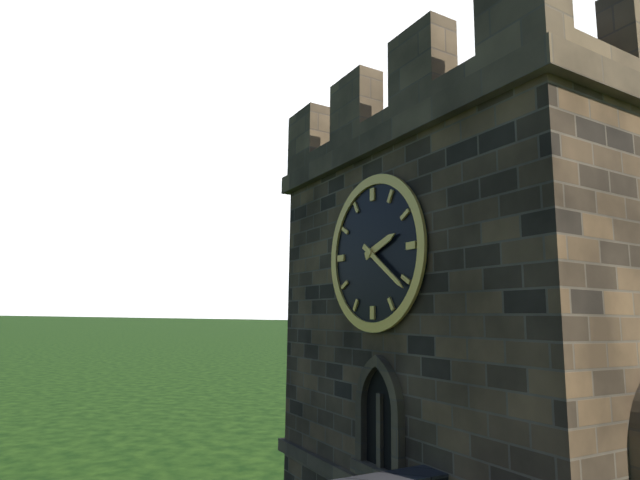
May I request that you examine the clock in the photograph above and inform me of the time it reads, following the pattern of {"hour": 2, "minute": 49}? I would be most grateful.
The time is {"hour": 2, "minute": 21}
